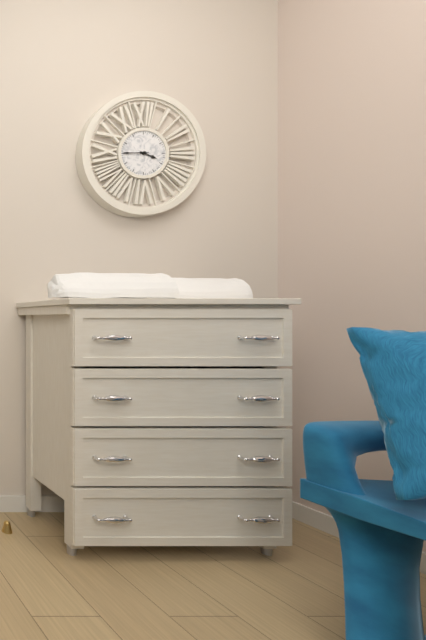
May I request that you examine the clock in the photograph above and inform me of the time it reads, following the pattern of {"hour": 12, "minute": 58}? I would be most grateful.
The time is {"hour": 3, "minute": 45}
